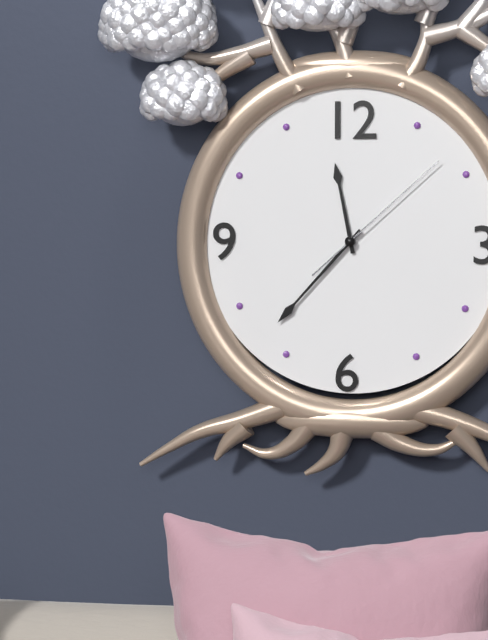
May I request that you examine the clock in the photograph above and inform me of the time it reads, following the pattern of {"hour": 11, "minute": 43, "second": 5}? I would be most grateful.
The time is {"hour": 11, "minute": 37, "second": 8}
